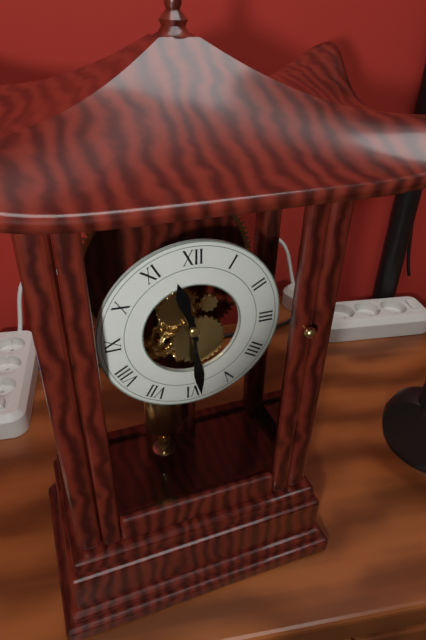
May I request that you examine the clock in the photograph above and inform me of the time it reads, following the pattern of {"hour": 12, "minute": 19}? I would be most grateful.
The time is {"hour": 11, "minute": 29}
